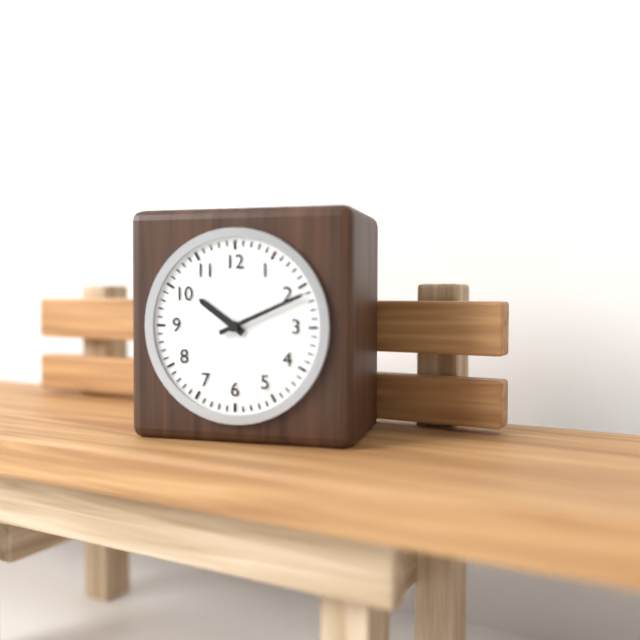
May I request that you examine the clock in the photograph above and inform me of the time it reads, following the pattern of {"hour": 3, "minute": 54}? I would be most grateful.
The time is {"hour": 10, "minute": 11}
